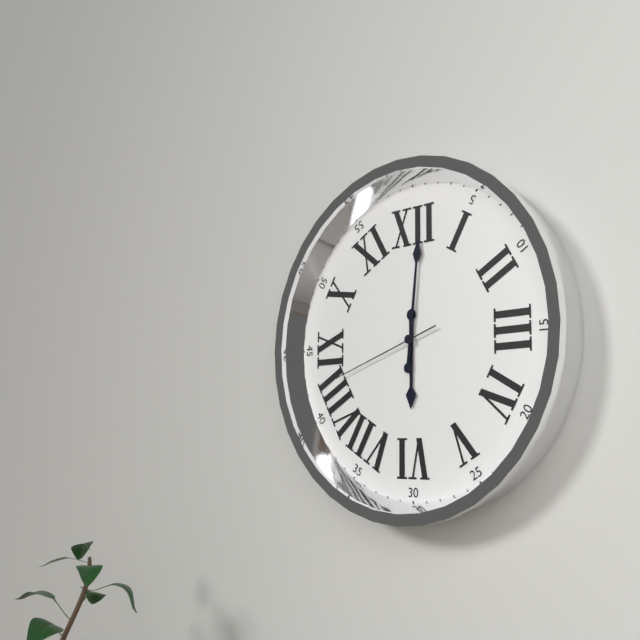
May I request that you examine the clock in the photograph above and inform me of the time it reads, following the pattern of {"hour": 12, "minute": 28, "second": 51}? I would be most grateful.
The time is {"hour": 6, "minute": 1, "second": 42}
